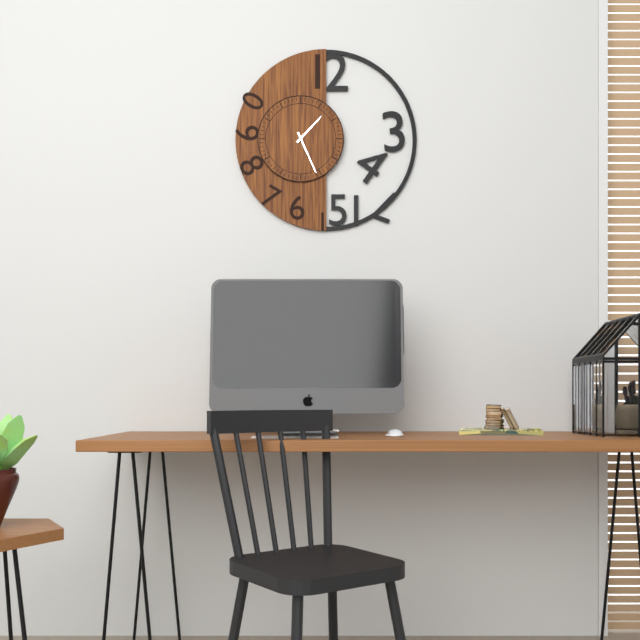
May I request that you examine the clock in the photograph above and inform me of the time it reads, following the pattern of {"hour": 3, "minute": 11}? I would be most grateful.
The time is {"hour": 1, "minute": 26}
